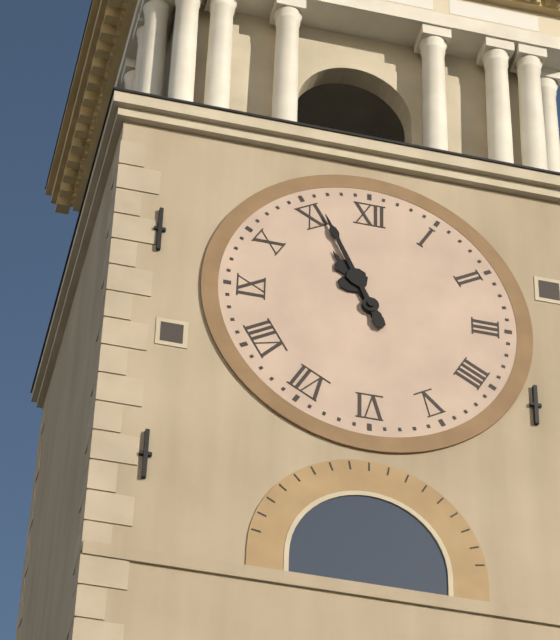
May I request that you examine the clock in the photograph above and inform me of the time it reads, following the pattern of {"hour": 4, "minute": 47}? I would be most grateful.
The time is {"hour": 10, "minute": 56}
